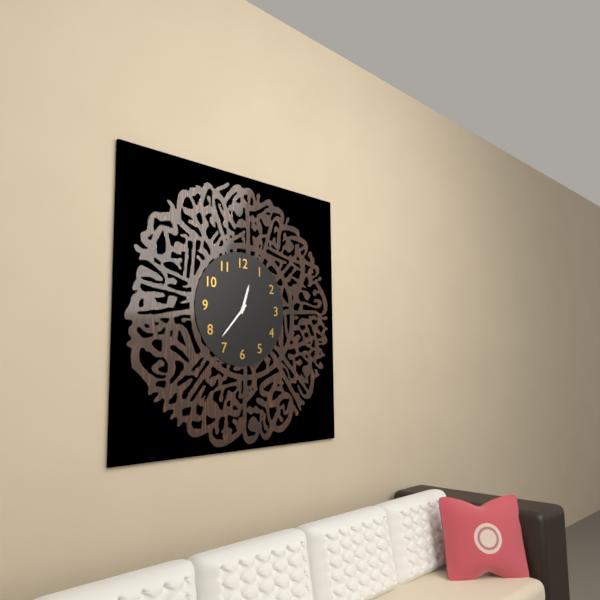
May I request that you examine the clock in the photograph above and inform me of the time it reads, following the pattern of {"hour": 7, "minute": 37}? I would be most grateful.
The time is {"hour": 12, "minute": 37}
